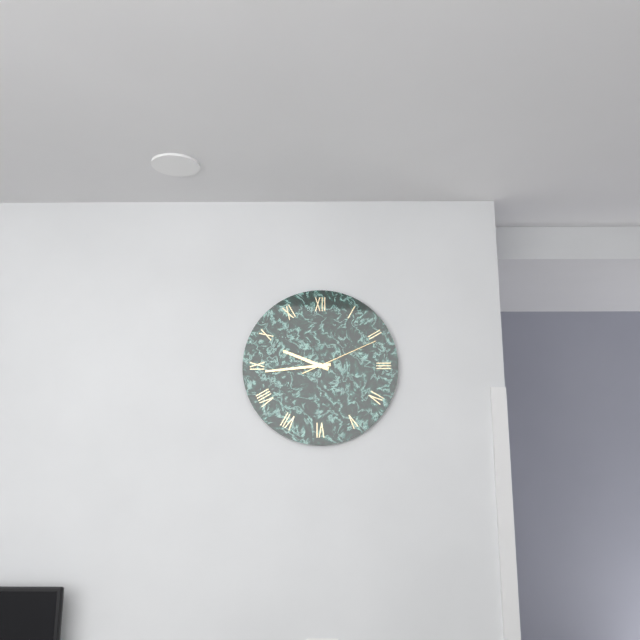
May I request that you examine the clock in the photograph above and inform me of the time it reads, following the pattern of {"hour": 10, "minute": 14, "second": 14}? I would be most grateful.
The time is {"hour": 9, "minute": 44, "second": 11}
